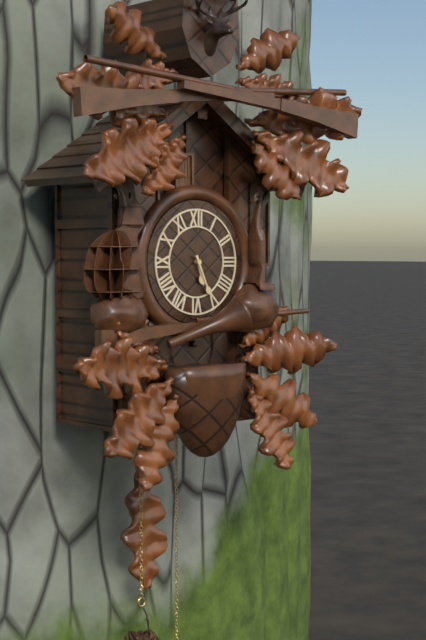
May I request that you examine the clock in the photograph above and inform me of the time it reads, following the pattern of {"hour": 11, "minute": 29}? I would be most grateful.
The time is {"hour": 5, "minute": 26}
